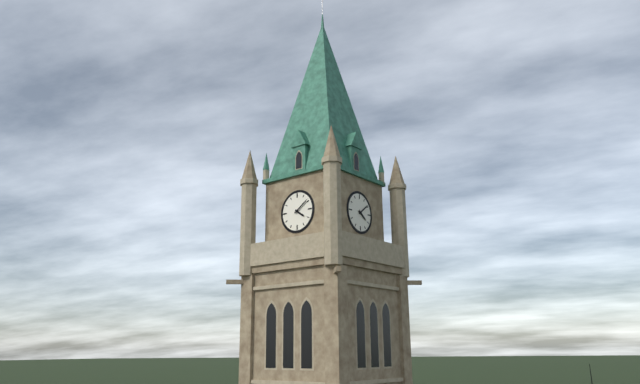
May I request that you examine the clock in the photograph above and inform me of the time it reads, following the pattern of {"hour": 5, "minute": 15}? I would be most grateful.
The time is {"hour": 4, "minute": 9}
